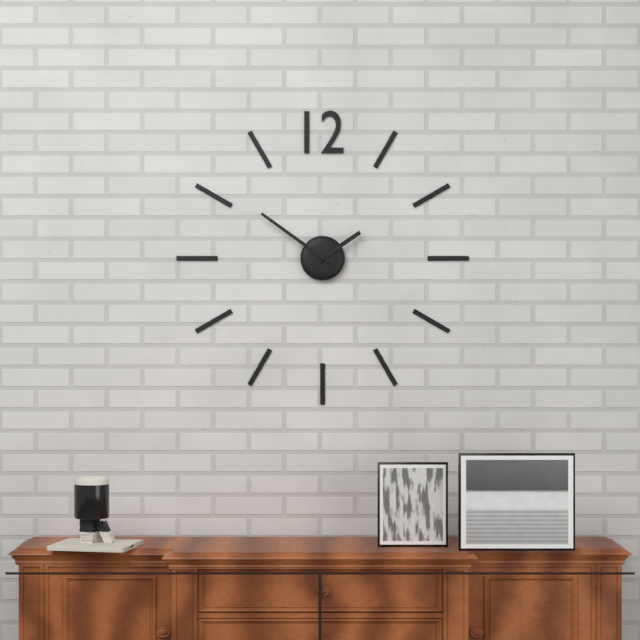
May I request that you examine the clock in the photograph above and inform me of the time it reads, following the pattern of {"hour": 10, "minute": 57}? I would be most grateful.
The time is {"hour": 1, "minute": 51}
